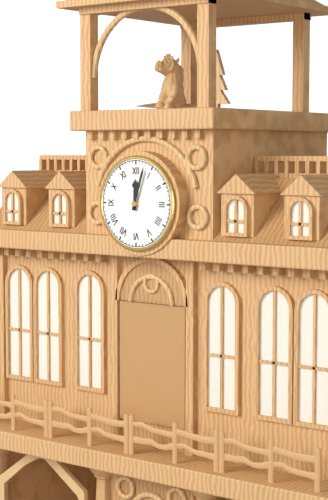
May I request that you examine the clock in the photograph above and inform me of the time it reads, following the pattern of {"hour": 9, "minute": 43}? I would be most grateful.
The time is {"hour": 12, "minute": 3}
